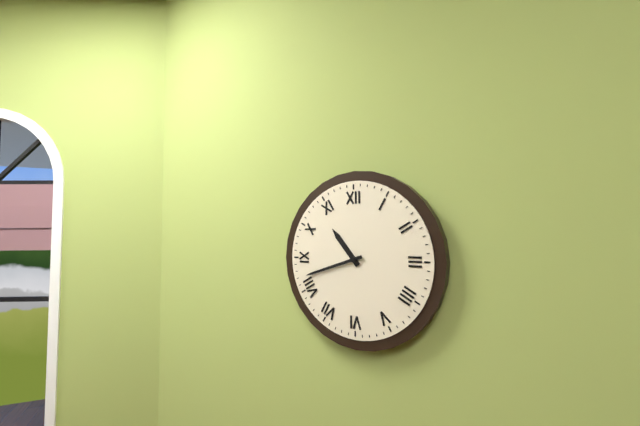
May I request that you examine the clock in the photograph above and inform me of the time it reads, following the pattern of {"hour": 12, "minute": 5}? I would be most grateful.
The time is {"hour": 10, "minute": 42}
